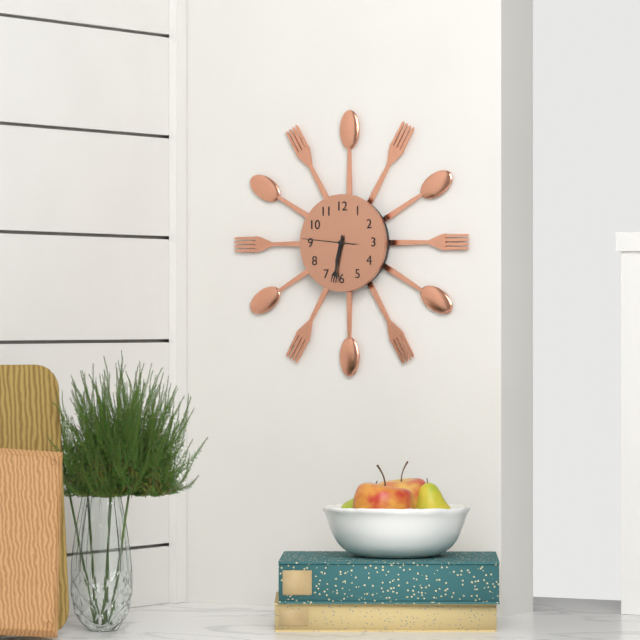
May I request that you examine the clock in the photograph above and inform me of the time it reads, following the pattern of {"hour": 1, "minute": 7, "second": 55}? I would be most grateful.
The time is {"hour": 6, "minute": 32, "second": 46}
